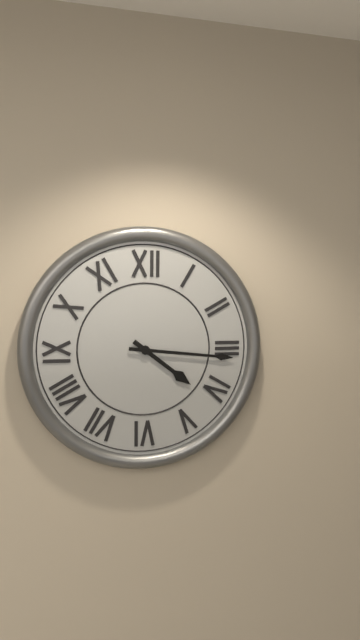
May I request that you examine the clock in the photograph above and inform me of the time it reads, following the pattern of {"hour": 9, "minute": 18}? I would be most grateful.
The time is {"hour": 4, "minute": 16}
